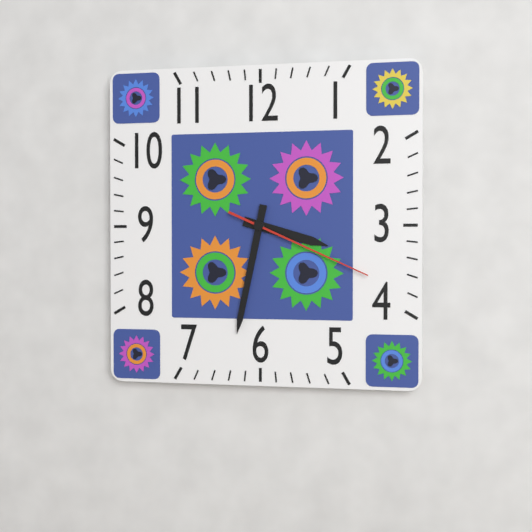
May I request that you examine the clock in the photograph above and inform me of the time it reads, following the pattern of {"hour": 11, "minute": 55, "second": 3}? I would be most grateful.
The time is {"hour": 3, "minute": 32, "second": 19}
